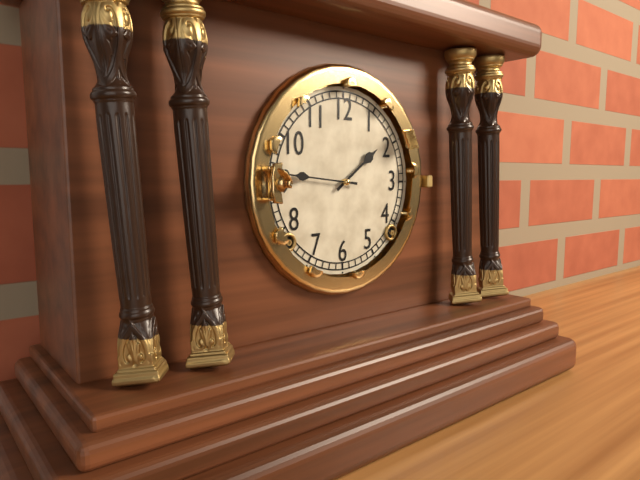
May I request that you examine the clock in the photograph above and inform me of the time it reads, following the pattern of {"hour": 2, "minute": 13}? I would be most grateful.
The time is {"hour": 1, "minute": 46}
